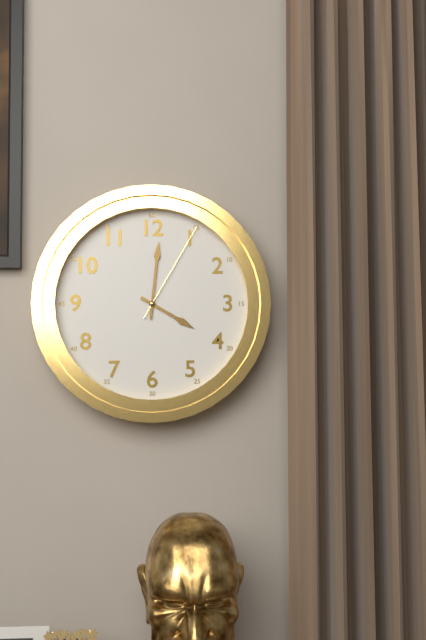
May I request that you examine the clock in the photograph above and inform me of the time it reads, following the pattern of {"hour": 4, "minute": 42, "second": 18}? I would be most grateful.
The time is {"hour": 4, "minute": 1, "second": 5}
